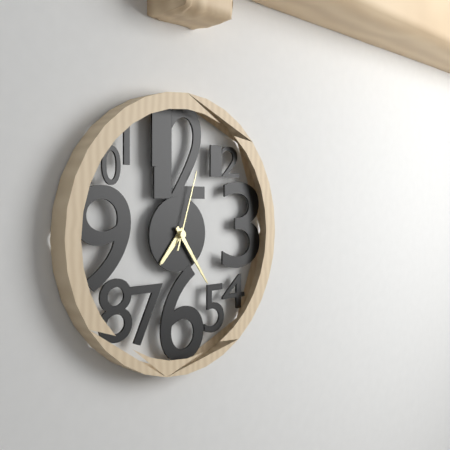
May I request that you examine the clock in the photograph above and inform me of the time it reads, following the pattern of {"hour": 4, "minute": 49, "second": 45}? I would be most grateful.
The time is {"hour": 7, "minute": 24, "second": 3}
